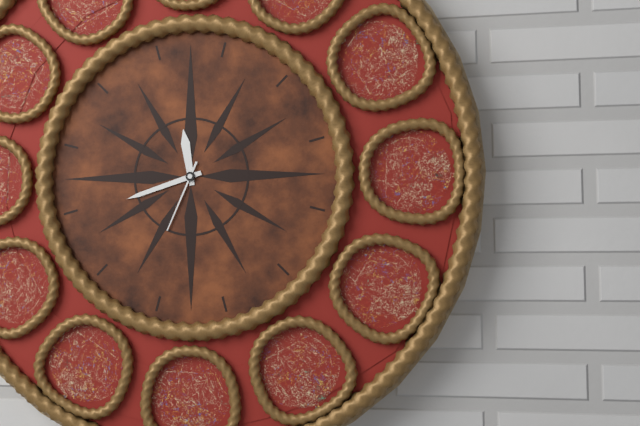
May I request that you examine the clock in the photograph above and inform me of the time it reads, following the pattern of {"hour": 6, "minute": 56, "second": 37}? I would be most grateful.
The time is {"hour": 11, "minute": 42, "second": 34}
